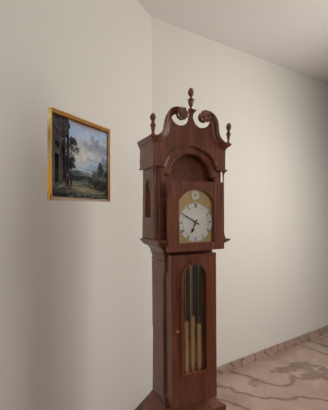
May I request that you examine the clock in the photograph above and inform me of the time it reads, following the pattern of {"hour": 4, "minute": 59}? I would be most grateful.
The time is {"hour": 6, "minute": 50}
